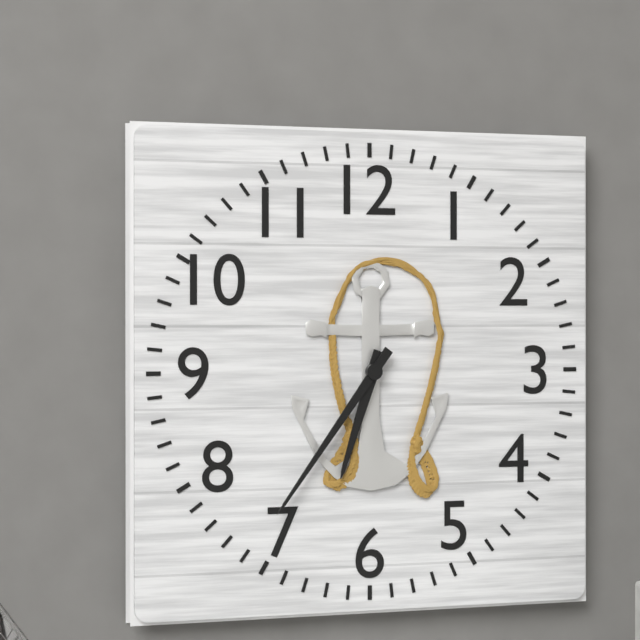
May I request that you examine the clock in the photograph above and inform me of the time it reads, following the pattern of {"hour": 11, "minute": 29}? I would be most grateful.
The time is {"hour": 6, "minute": 36}
